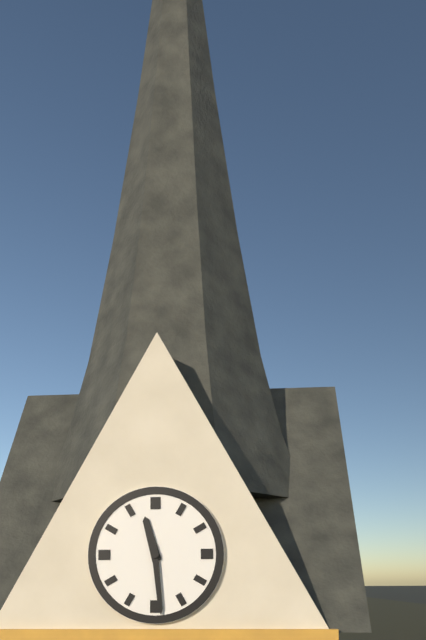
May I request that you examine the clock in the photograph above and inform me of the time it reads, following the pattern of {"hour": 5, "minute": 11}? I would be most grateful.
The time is {"hour": 11, "minute": 29}
